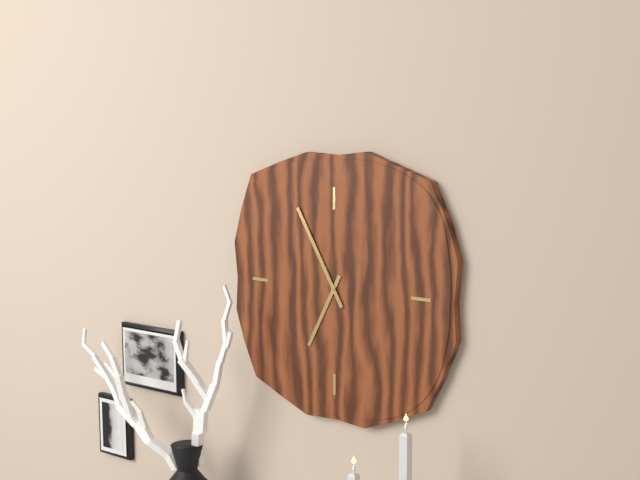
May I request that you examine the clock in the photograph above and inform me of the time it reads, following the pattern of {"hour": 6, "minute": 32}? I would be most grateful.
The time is {"hour": 6, "minute": 55}
